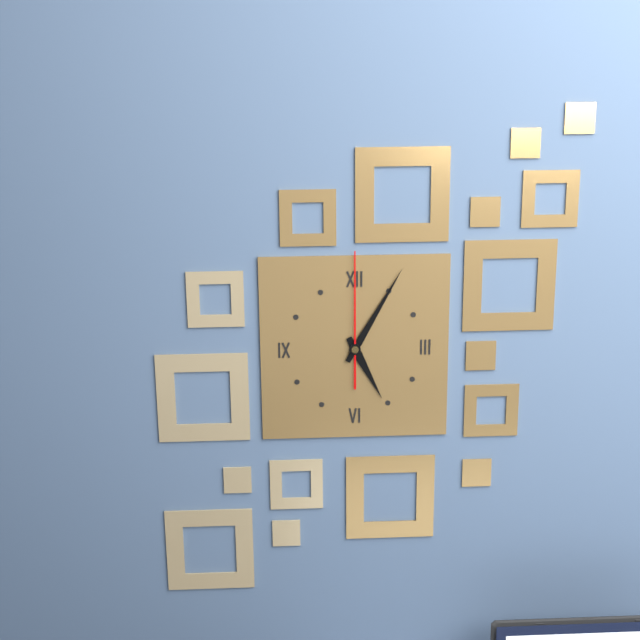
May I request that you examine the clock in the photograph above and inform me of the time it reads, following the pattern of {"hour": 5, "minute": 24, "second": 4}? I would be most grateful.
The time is {"hour": 5, "minute": 5, "second": 0}
